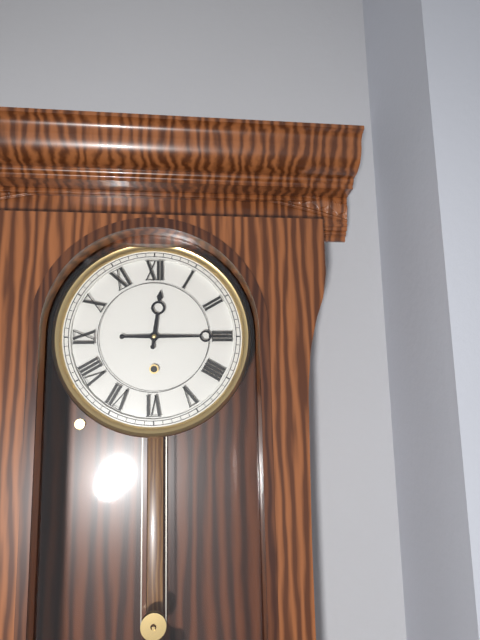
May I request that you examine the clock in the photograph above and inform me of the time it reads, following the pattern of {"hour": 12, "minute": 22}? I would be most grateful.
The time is {"hour": 12, "minute": 15}
